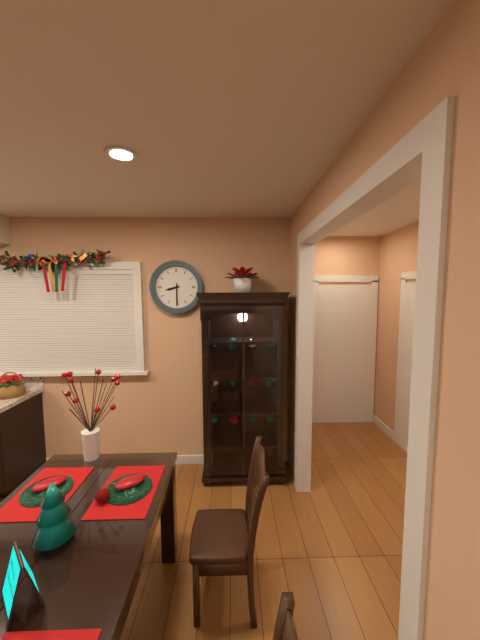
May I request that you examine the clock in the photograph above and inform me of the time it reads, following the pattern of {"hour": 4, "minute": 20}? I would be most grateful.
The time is {"hour": 8, "minute": 30}
